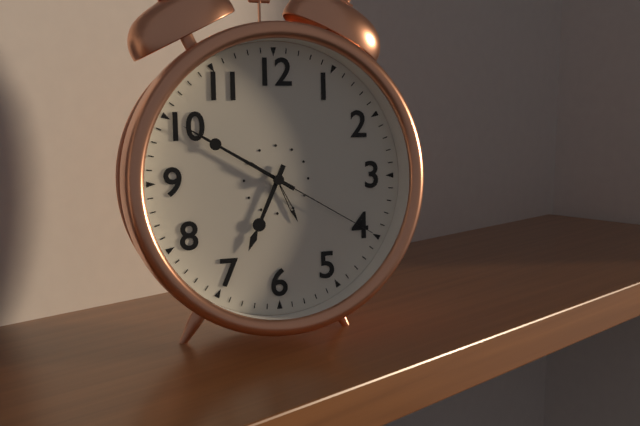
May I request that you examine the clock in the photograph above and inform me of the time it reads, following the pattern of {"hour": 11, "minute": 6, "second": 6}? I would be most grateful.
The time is {"hour": 6, "minute": 50, "second": 20}
